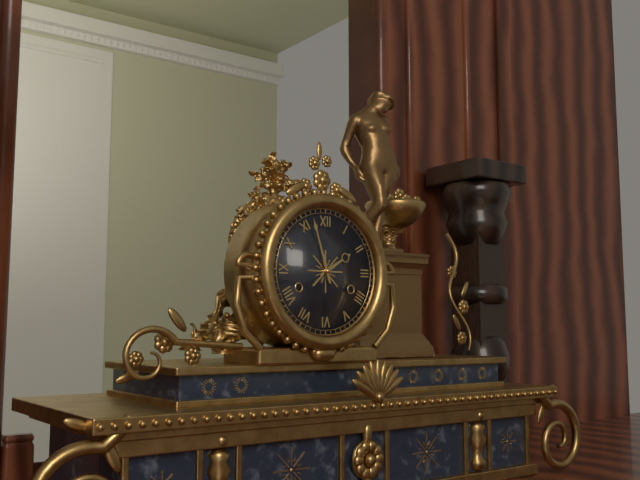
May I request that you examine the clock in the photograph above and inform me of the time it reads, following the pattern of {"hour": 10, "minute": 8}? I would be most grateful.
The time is {"hour": 1, "minute": 57}
